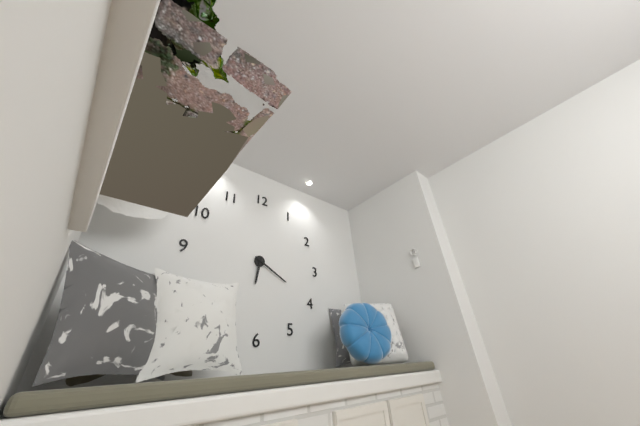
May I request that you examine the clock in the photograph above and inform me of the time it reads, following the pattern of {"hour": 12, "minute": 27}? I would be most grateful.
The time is {"hour": 6, "minute": 20}
